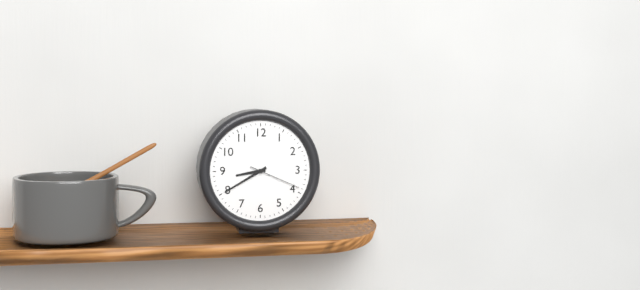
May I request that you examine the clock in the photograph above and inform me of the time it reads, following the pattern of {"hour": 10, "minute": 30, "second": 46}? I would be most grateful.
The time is {"hour": 8, "minute": 40, "second": 19}
